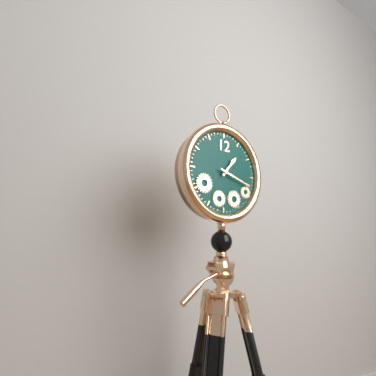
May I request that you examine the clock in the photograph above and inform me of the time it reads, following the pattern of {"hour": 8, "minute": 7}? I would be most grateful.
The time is {"hour": 1, "minute": 18}
